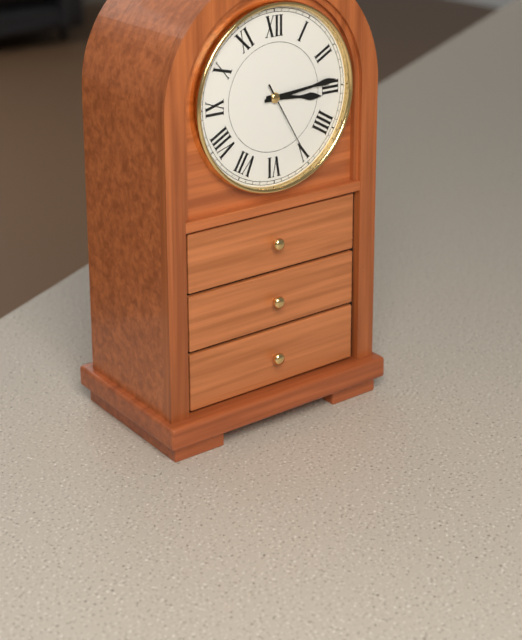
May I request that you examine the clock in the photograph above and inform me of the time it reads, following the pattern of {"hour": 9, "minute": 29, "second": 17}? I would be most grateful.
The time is {"hour": 3, "minute": 14, "second": 25}
